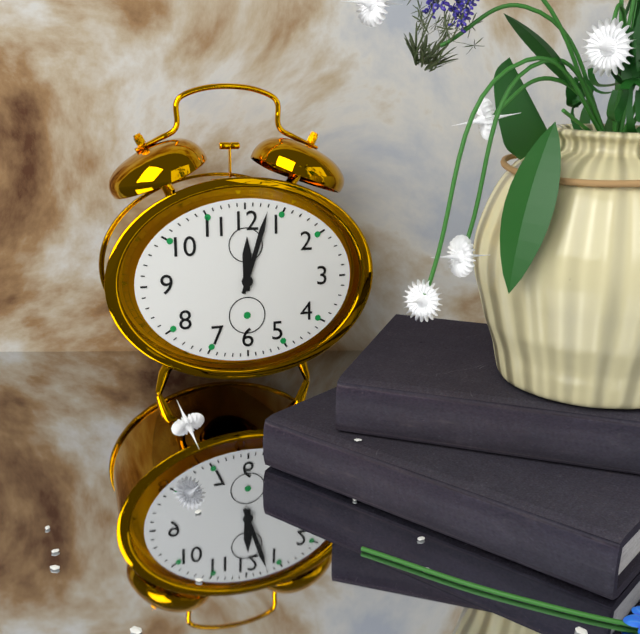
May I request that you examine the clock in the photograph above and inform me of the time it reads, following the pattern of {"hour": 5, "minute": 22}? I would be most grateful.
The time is {"hour": 12, "minute": 3}
